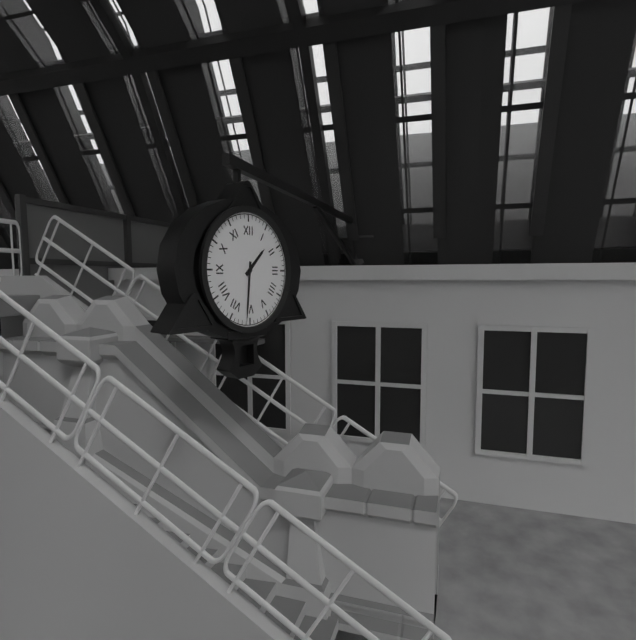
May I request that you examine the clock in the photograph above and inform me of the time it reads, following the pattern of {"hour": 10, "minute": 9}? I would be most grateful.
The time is {"hour": 1, "minute": 31}
